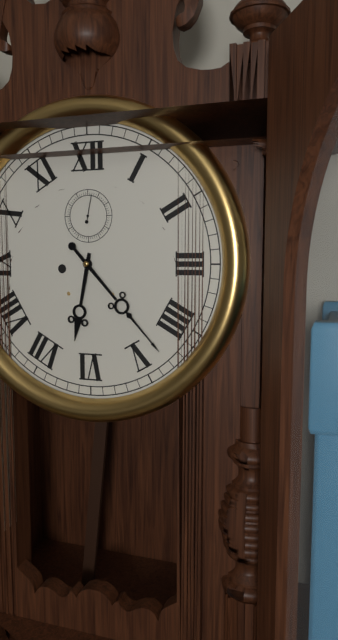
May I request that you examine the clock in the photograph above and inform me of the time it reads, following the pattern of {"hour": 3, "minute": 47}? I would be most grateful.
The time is {"hour": 6, "minute": 23}
